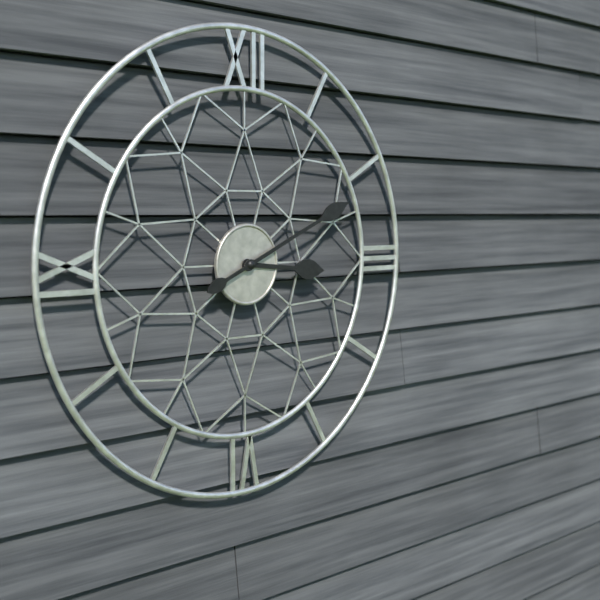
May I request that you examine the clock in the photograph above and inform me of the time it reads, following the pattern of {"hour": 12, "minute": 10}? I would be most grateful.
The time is {"hour": 3, "minute": 11}
